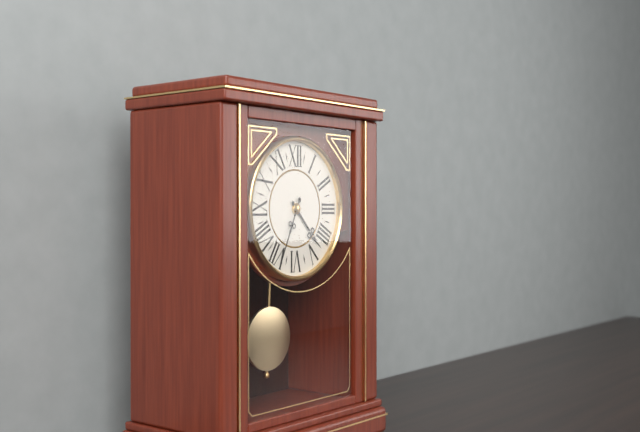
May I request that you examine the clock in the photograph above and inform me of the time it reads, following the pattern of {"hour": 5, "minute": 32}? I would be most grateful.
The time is {"hour": 4, "minute": 34}
